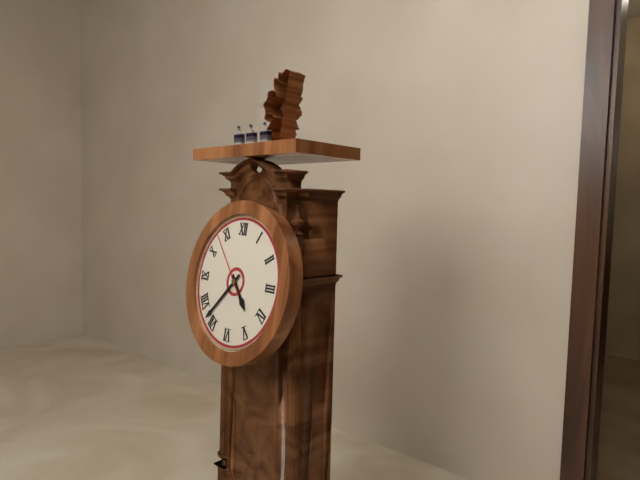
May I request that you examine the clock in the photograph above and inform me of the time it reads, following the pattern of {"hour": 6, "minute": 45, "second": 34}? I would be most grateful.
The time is {"hour": 4, "minute": 37, "second": 53}
